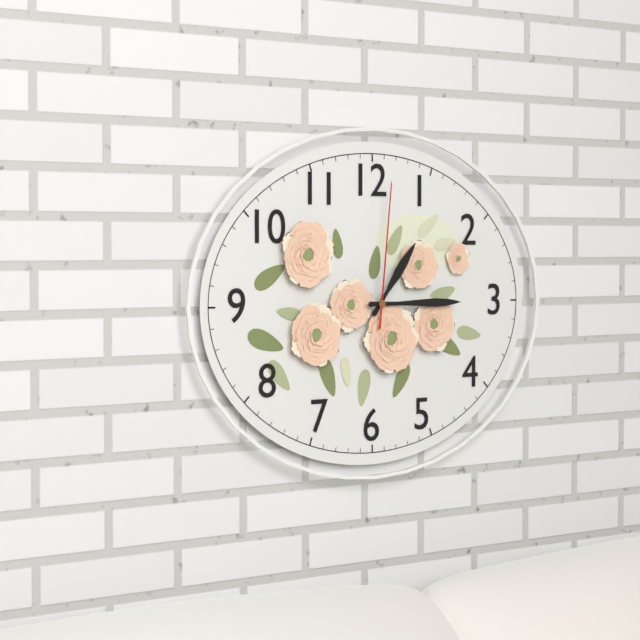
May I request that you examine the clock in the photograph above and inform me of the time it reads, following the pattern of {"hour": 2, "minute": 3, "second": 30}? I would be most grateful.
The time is {"hour": 1, "minute": 15, "second": 1}
